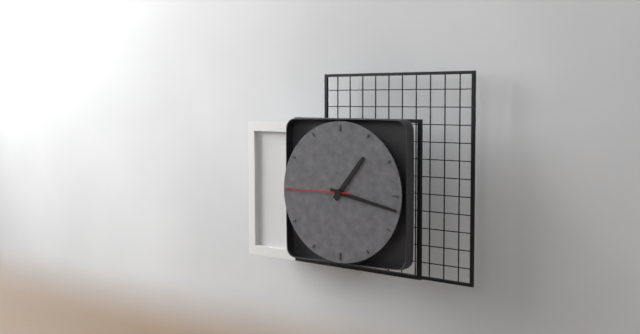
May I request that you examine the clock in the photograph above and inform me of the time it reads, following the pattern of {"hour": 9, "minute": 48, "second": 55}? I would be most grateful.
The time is {"hour": 1, "minute": 17, "second": 45}
